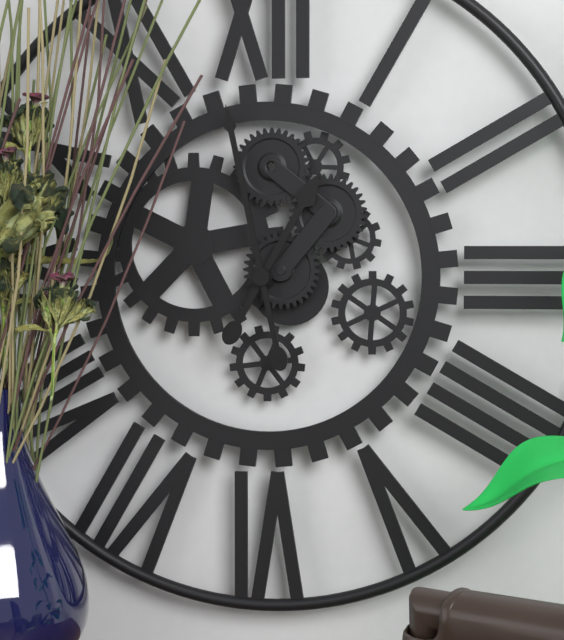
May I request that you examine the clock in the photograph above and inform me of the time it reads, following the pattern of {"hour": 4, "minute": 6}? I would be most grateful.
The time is {"hour": 12, "minute": 58}
